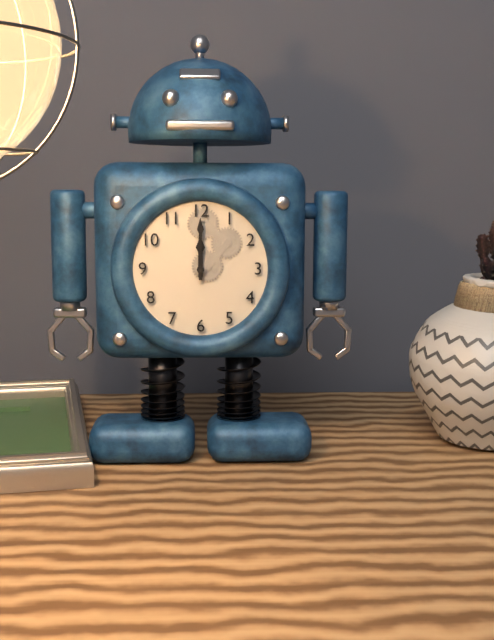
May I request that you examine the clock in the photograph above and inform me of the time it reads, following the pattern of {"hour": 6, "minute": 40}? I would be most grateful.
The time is {"hour": 12, "minute": 0}
